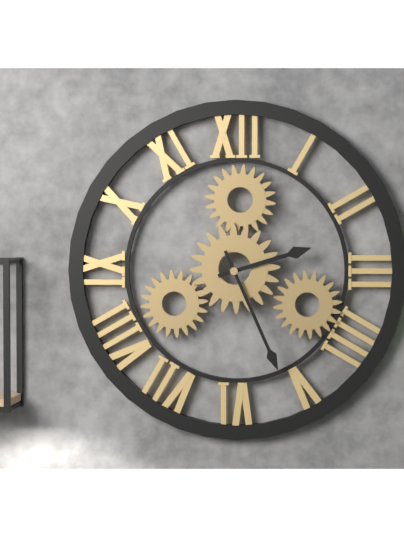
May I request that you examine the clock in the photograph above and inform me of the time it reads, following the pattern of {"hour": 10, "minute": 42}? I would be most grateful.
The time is {"hour": 2, "minute": 26}
